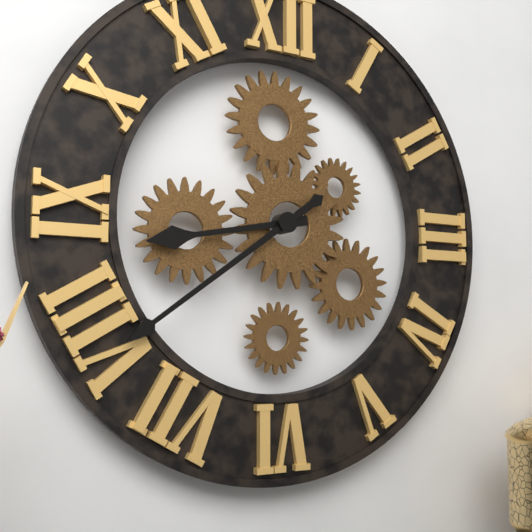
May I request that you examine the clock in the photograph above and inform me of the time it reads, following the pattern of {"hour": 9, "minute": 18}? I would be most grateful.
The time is {"hour": 8, "minute": 39}
